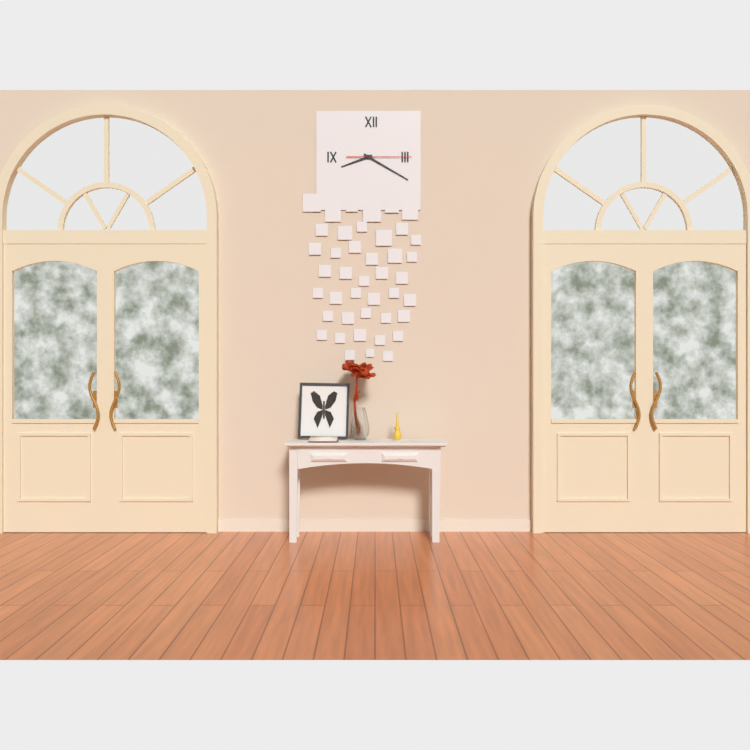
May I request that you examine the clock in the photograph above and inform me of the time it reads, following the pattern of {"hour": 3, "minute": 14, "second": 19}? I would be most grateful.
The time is {"hour": 8, "minute": 20, "second": 15}
